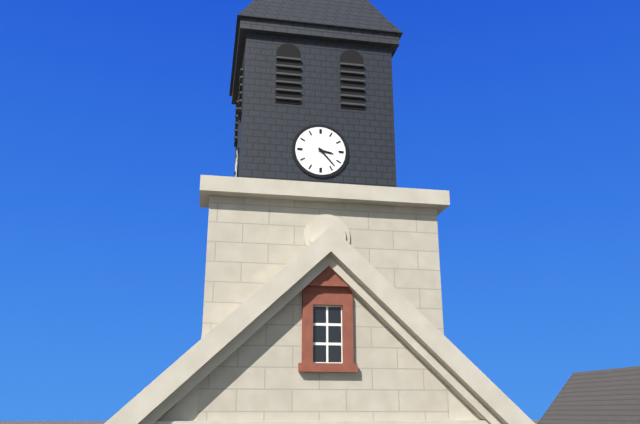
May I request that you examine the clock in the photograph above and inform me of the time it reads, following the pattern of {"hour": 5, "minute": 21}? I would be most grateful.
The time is {"hour": 3, "minute": 23}
